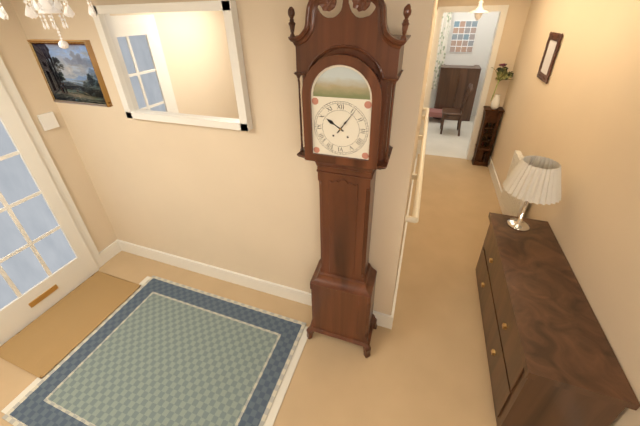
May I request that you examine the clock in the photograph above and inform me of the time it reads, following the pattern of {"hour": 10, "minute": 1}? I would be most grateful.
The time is {"hour": 10, "minute": 6}
